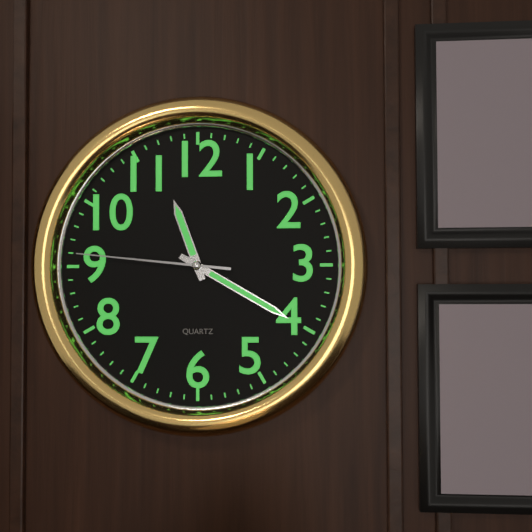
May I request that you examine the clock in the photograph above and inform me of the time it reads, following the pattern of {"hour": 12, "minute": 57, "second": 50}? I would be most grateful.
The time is {"hour": 11, "minute": 20, "second": 46}
